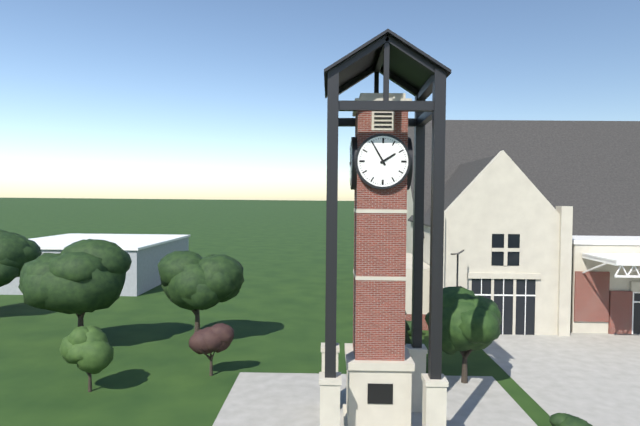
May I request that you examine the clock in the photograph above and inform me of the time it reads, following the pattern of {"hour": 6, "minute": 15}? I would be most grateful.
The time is {"hour": 1, "minute": 55}
